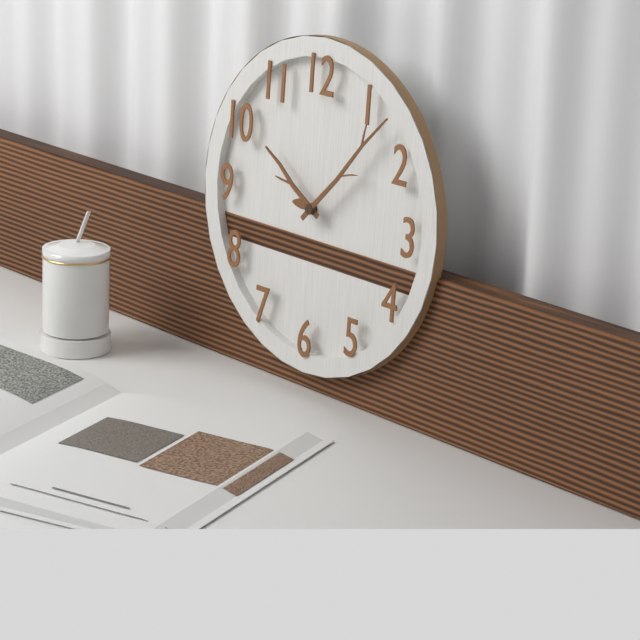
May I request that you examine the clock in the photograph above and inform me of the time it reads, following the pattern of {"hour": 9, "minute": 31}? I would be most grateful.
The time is {"hour": 10, "minute": 7}
